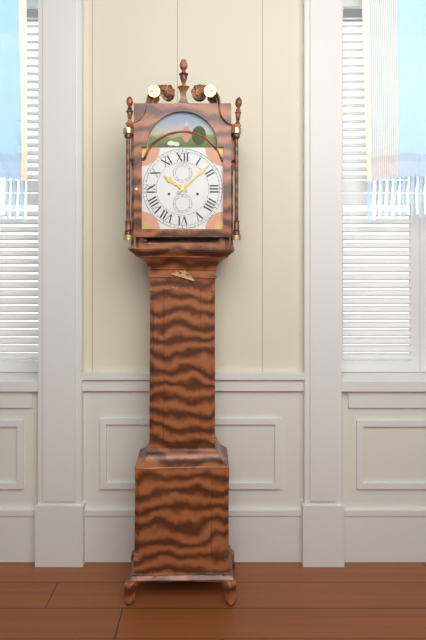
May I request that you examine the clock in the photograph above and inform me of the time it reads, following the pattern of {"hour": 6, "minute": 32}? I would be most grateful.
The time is {"hour": 10, "minute": 8}
